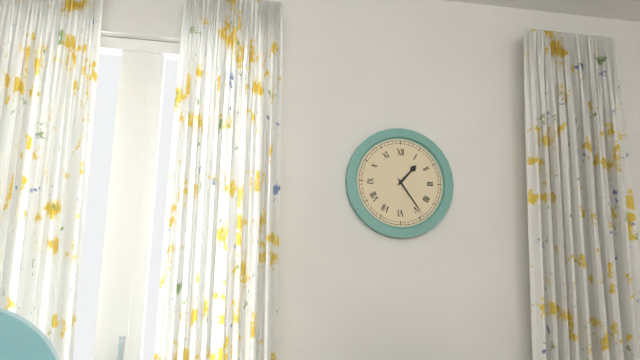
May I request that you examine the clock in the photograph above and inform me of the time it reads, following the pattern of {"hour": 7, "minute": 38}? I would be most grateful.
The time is {"hour": 1, "minute": 24}
